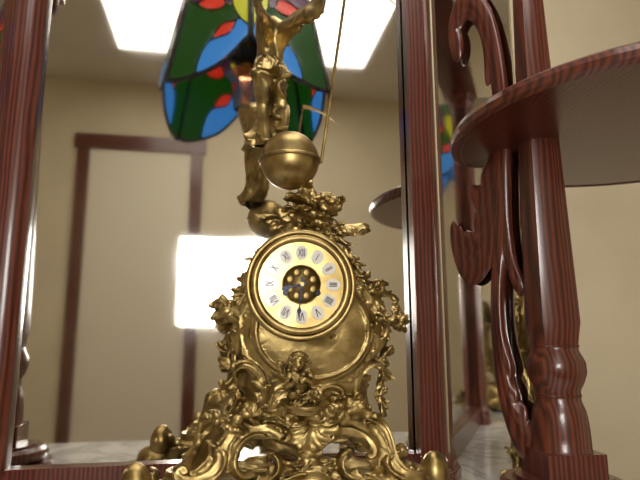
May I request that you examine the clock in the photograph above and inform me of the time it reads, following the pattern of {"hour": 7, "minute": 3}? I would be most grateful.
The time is {"hour": 8, "minute": 31}
